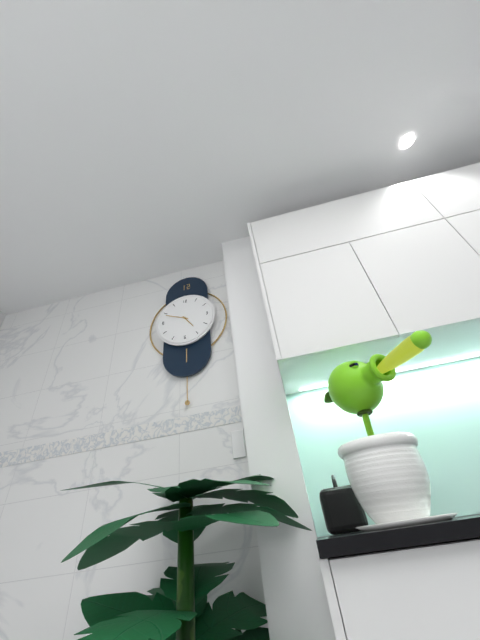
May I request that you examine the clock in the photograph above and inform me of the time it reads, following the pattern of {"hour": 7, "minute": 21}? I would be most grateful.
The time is {"hour": 4, "minute": 49}
